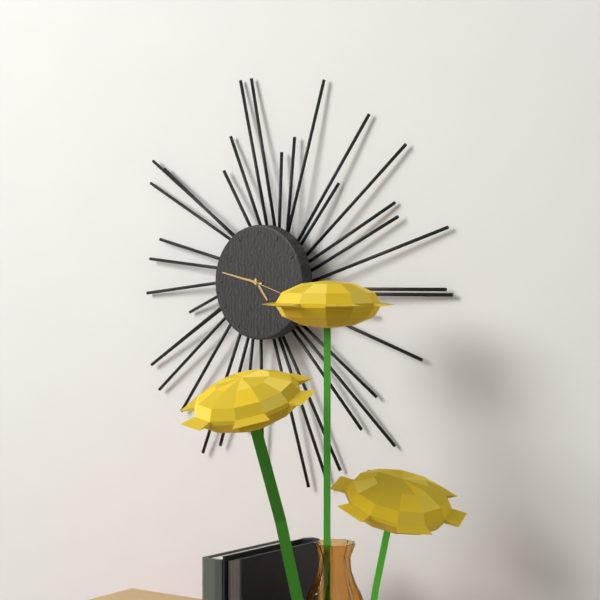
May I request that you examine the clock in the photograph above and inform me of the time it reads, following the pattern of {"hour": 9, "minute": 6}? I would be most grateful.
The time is {"hour": 4, "minute": 47}
